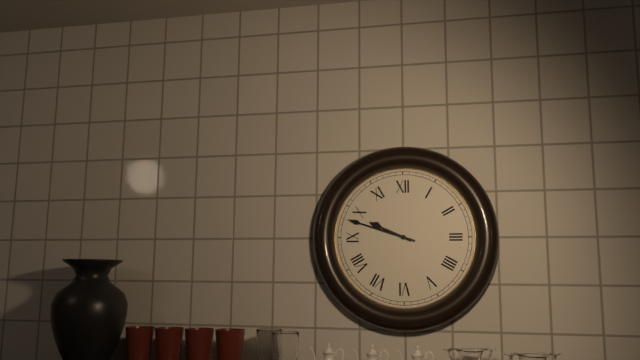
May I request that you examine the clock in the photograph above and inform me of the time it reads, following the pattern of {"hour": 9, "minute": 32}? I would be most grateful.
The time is {"hour": 9, "minute": 48}
